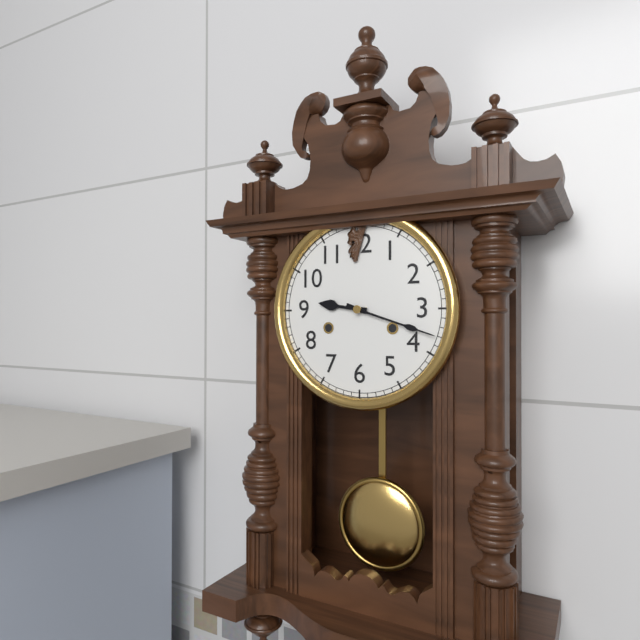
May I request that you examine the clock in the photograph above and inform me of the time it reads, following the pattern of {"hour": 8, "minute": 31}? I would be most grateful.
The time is {"hour": 9, "minute": 18}
